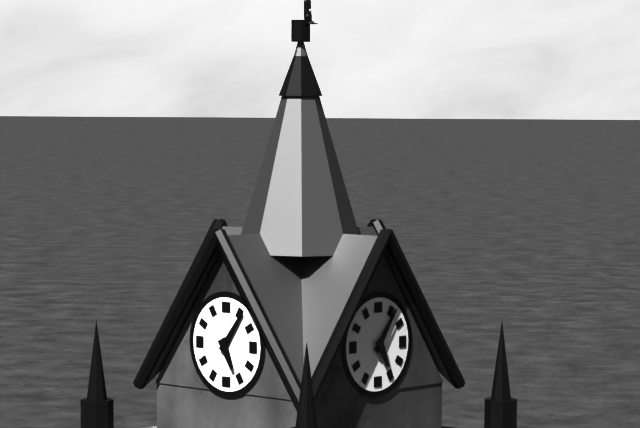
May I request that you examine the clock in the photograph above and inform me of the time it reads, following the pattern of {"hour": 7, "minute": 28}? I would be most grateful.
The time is {"hour": 5, "minute": 6}
